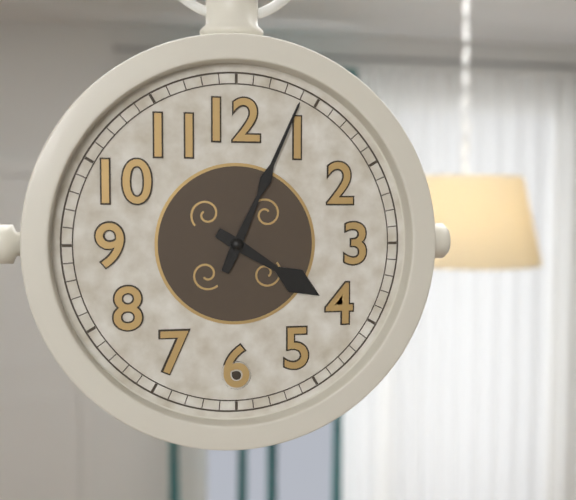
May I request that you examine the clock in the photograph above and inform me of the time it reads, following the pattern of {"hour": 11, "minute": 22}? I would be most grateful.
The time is {"hour": 4, "minute": 4}
